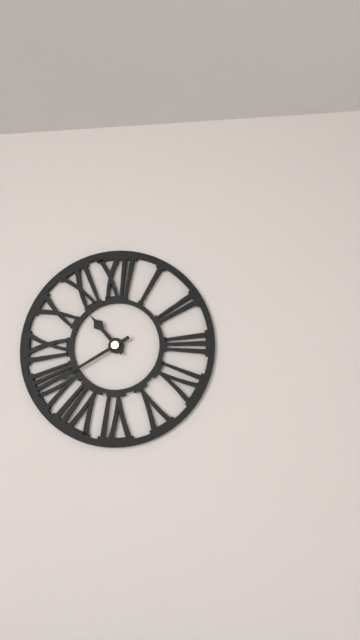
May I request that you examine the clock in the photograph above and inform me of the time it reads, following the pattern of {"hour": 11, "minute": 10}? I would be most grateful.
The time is {"hour": 10, "minute": 40}
